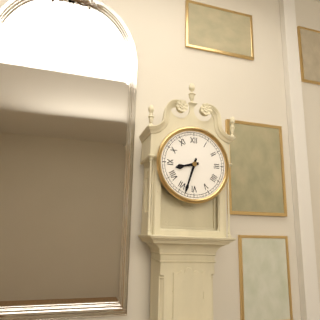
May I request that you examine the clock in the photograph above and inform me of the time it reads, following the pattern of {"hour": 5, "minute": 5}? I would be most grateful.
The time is {"hour": 8, "minute": 33}
